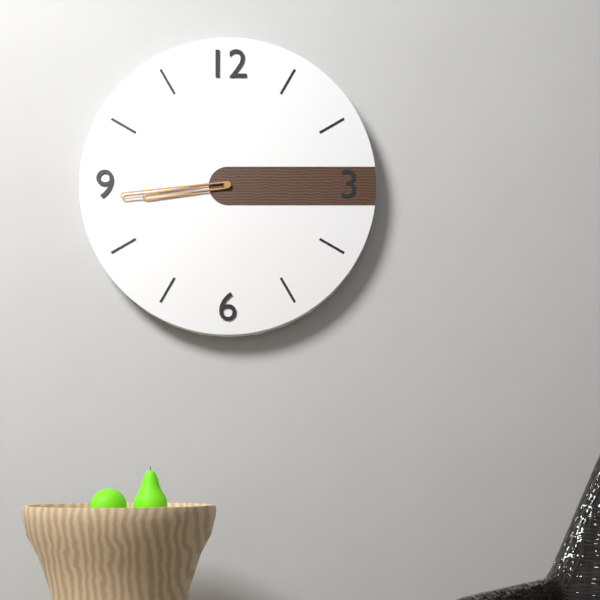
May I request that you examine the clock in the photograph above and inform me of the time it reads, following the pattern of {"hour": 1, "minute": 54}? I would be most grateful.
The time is {"hour": 8, "minute": 44}
